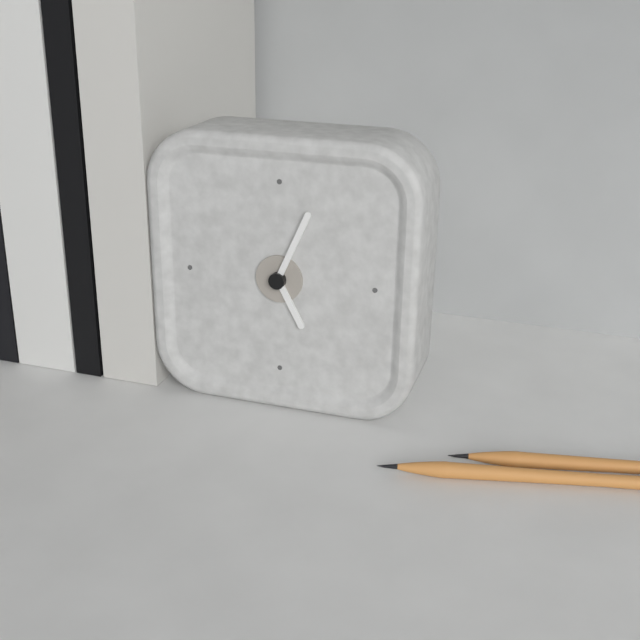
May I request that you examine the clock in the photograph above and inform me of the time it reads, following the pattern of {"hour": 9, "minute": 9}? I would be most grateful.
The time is {"hour": 5, "minute": 4}
